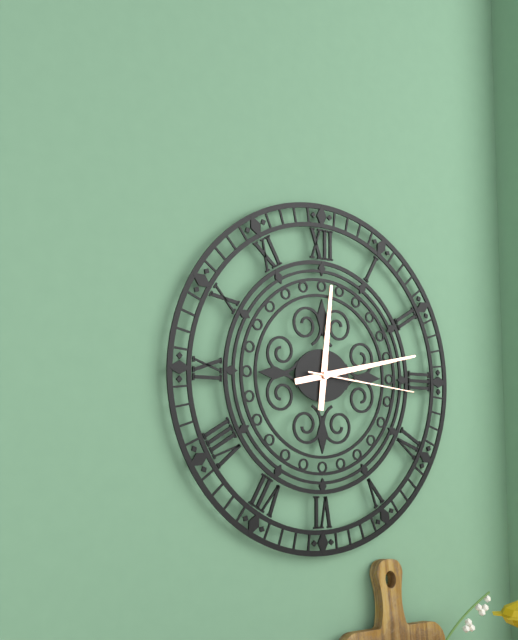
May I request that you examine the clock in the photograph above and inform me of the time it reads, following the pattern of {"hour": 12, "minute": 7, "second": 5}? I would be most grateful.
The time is {"hour": 12, "minute": 13, "second": 16}
